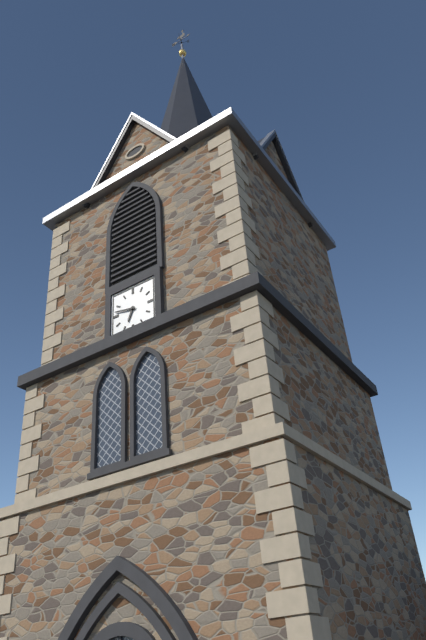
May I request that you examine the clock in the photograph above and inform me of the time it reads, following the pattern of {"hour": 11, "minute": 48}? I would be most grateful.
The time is {"hour": 6, "minute": 47}
